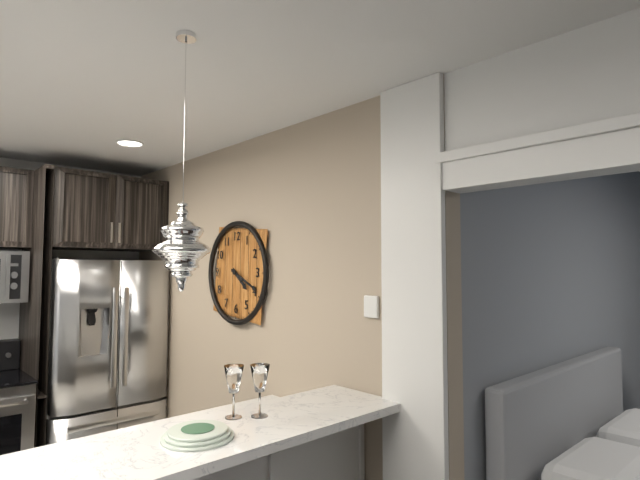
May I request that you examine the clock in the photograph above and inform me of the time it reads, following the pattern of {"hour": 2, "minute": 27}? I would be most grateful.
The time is {"hour": 4, "minute": 19}
